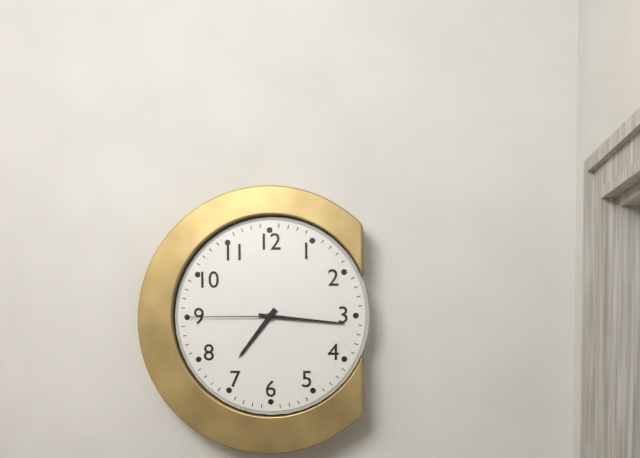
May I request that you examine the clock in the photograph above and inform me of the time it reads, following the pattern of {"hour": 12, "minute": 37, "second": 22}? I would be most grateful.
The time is {"hour": 7, "minute": 16, "second": 45}
